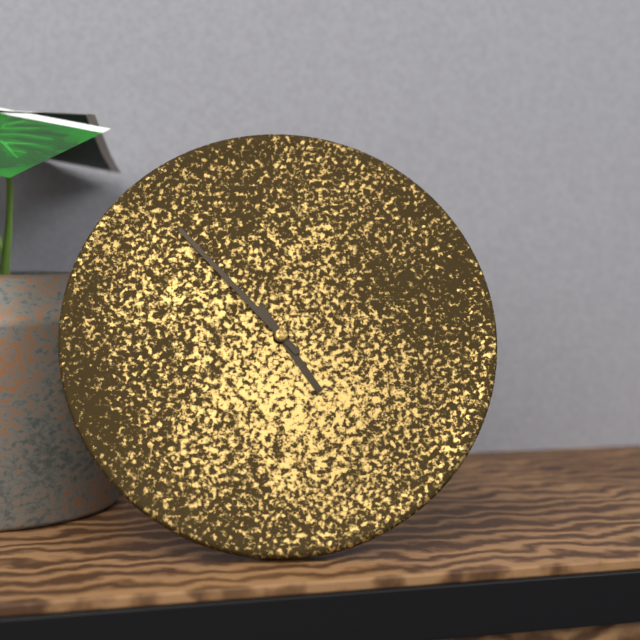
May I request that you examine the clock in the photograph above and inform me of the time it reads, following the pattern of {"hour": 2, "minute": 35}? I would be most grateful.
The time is {"hour": 4, "minute": 53}
